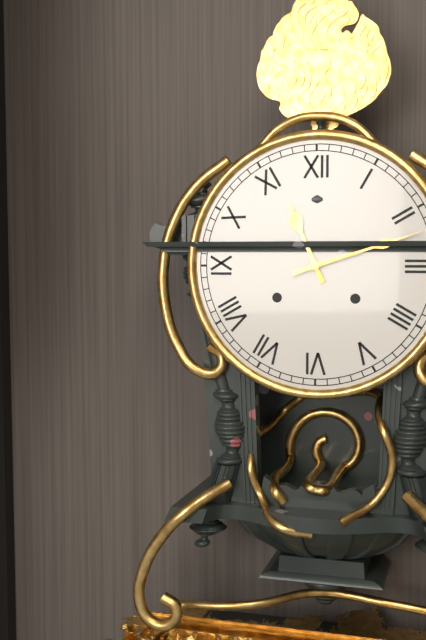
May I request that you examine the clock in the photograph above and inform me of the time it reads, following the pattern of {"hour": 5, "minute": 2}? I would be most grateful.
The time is {"hour": 11, "minute": 12}
